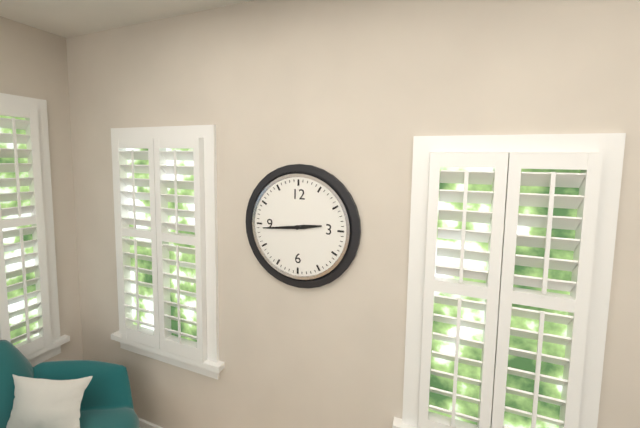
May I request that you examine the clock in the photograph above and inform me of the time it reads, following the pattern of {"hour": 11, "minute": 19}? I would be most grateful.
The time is {"hour": 2, "minute": 44}
